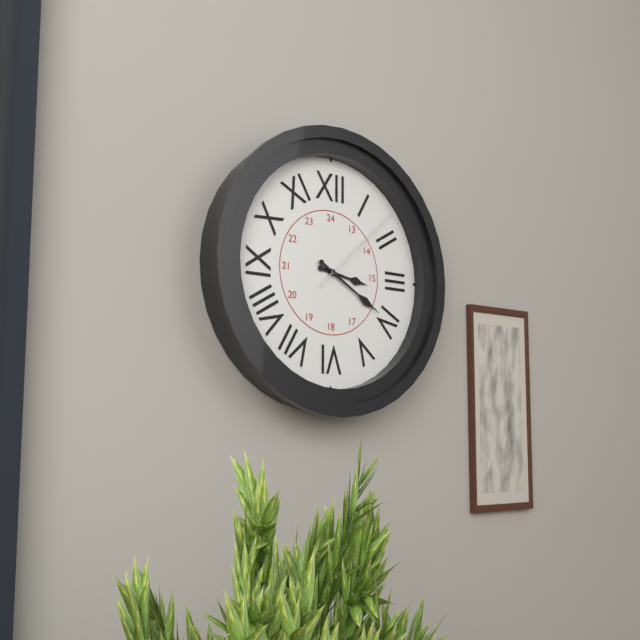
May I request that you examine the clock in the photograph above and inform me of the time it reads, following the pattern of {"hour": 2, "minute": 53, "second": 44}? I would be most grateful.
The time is {"hour": 3, "minute": 20, "second": 8}
